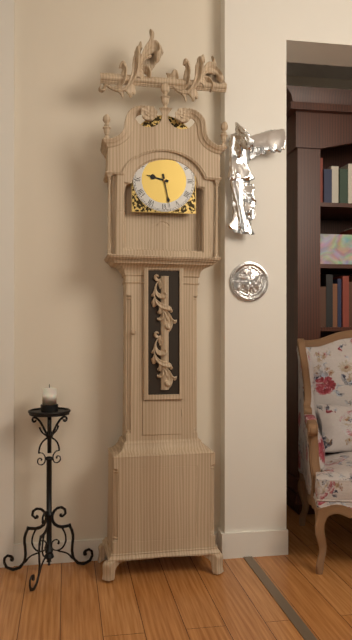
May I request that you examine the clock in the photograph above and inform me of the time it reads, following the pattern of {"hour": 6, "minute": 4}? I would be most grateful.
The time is {"hour": 9, "minute": 28}
